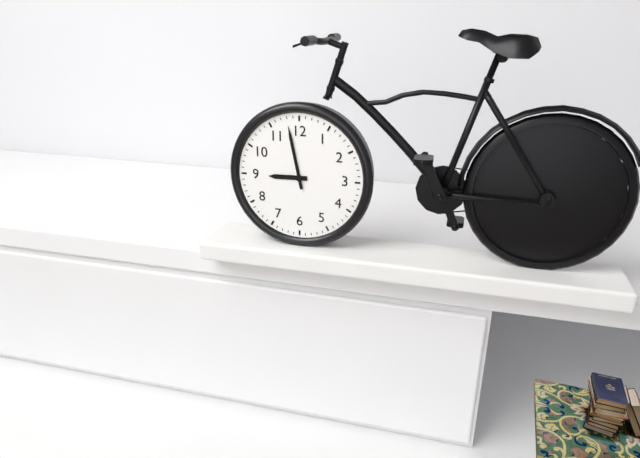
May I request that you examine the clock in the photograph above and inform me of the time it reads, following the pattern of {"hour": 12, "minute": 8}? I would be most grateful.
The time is {"hour": 8, "minute": 58}
